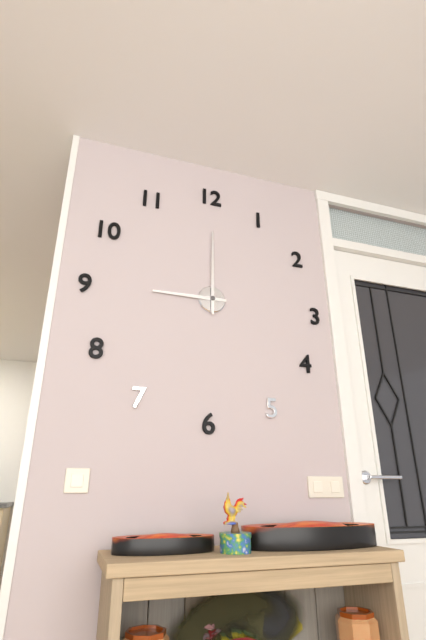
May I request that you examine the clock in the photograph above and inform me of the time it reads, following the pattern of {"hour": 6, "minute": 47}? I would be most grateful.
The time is {"hour": 9, "minute": 0}
